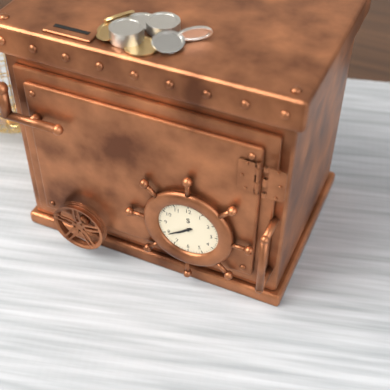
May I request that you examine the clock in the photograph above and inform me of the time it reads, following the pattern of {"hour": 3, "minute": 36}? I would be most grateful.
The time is {"hour": 7, "minute": 39}
